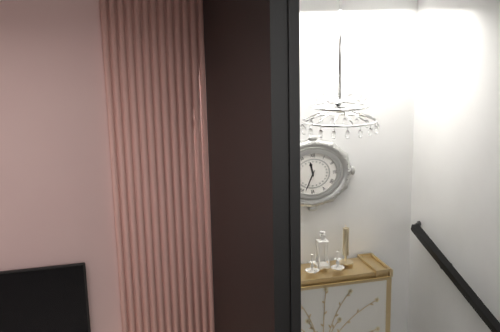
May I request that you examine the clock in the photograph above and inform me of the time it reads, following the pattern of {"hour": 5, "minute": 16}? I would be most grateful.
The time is {"hour": 11, "minute": 34}
